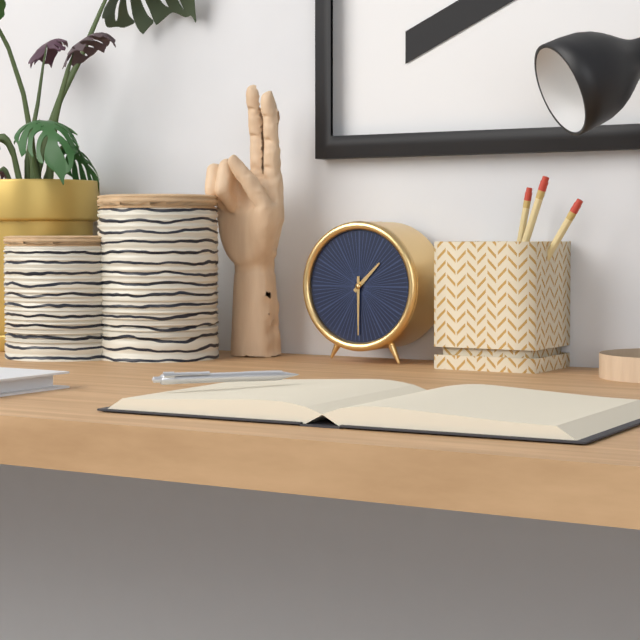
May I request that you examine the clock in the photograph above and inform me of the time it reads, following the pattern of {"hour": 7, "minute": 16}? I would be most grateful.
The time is {"hour": 1, "minute": 30}
